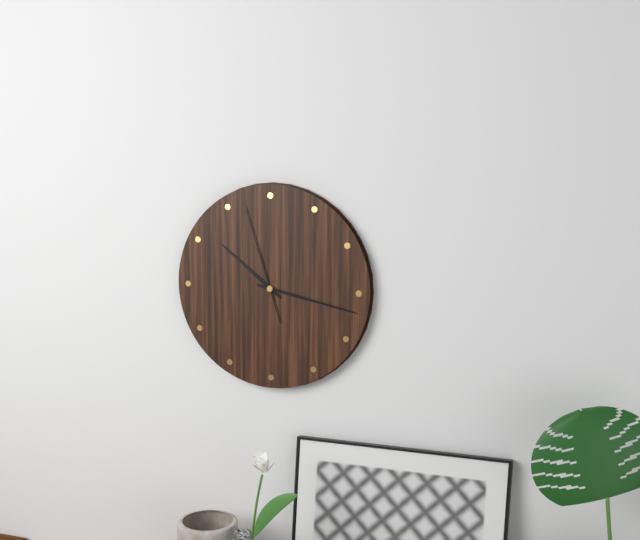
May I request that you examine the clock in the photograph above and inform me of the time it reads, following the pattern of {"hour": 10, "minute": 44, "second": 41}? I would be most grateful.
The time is {"hour": 10, "minute": 17, "second": 57}
